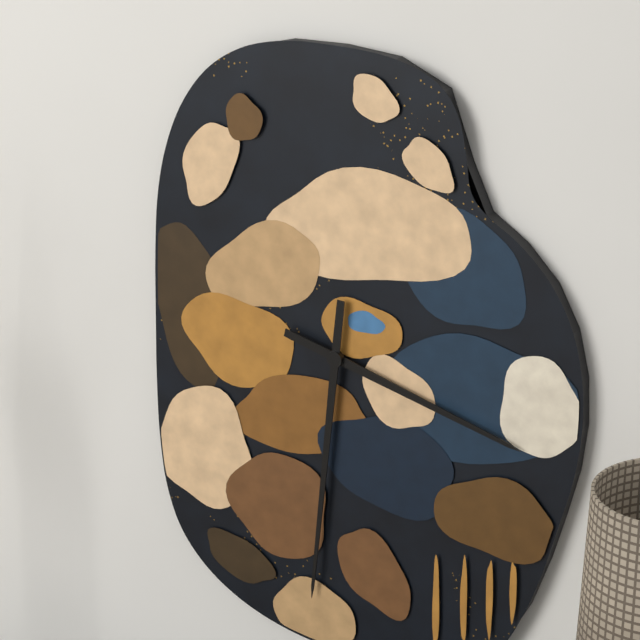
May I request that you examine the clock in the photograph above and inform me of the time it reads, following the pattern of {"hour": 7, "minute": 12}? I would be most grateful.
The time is {"hour": 3, "minute": 31}
